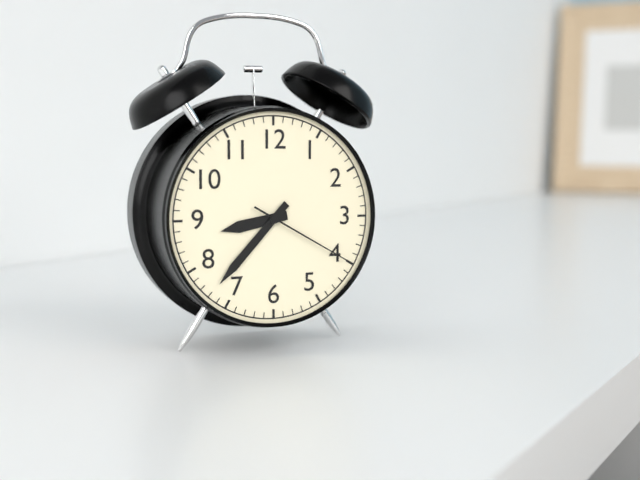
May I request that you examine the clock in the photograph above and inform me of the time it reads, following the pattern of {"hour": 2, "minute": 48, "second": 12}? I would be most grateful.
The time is {"hour": 8, "minute": 37, "second": 20}
